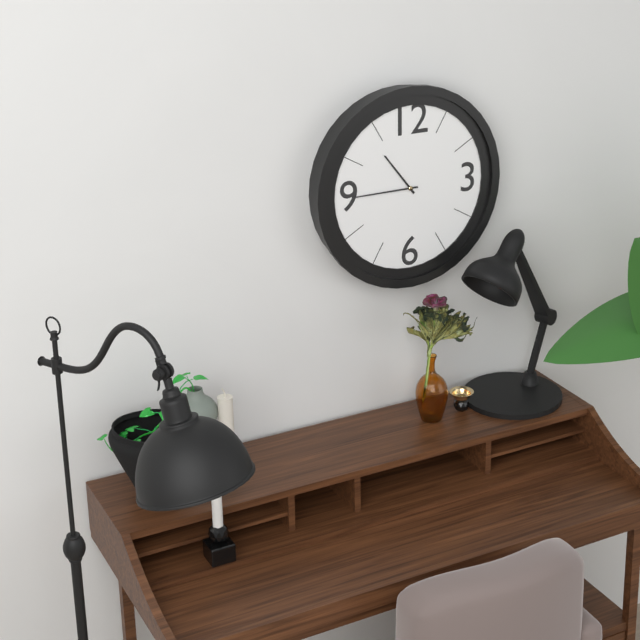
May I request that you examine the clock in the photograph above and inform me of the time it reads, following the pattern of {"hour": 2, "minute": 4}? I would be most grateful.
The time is {"hour": 10, "minute": 45}
